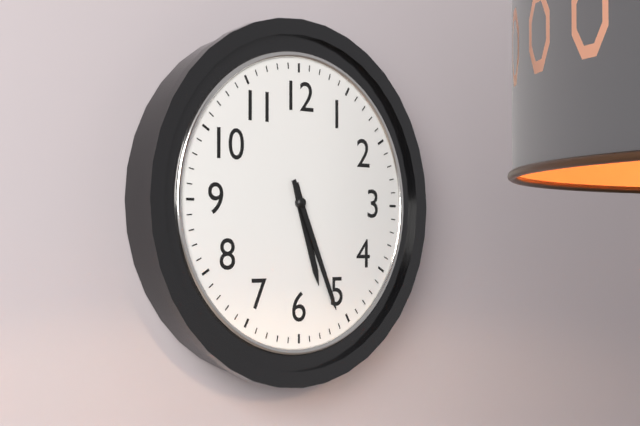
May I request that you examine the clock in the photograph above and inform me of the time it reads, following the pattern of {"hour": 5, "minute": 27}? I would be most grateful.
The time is {"hour": 5, "minute": 26}
